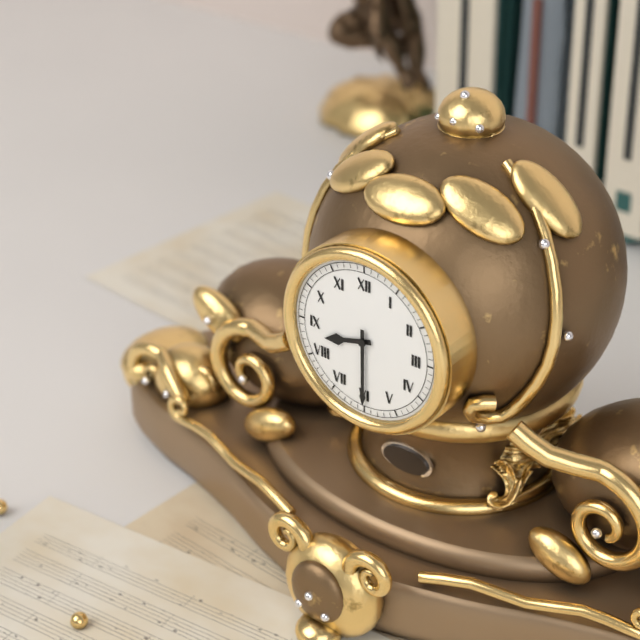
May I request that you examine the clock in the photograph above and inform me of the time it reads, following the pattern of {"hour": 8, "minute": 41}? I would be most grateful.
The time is {"hour": 8, "minute": 30}
